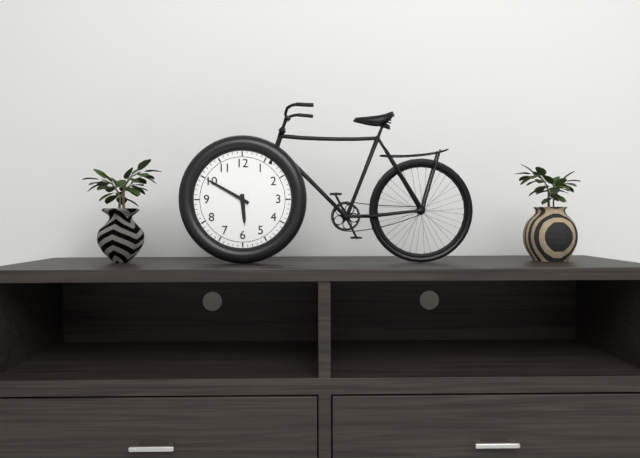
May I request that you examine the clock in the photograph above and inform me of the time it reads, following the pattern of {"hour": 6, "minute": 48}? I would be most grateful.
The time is {"hour": 5, "minute": 50}
